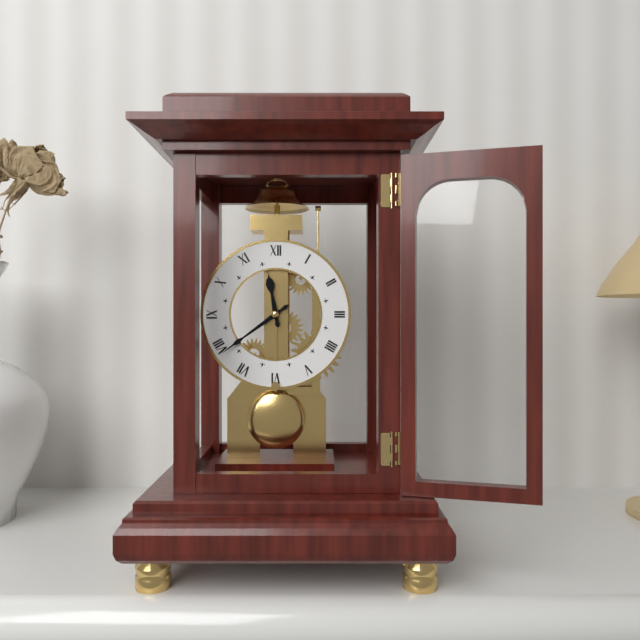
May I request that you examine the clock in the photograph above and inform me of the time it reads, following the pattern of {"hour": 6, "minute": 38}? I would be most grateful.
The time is {"hour": 11, "minute": 39}
